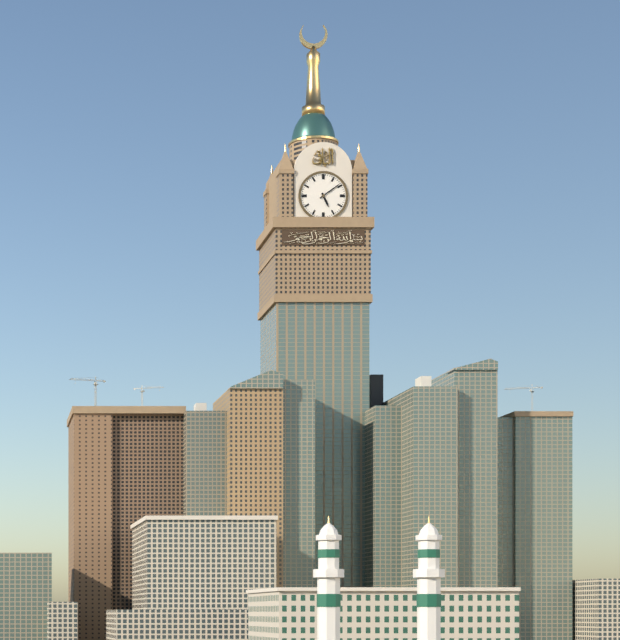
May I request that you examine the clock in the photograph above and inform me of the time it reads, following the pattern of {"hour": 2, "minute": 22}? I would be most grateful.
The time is {"hour": 5, "minute": 9}
